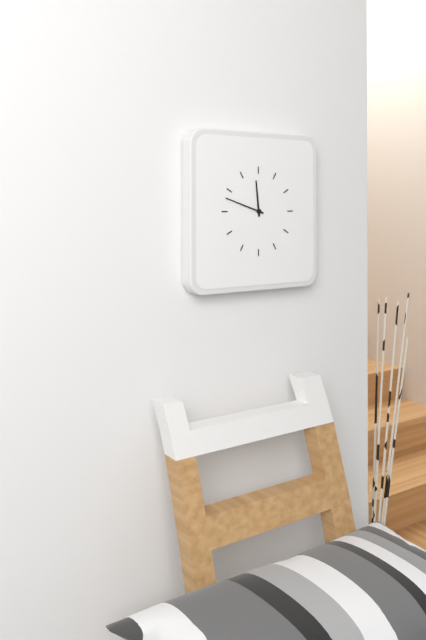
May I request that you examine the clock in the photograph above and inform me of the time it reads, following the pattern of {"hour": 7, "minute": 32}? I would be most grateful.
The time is {"hour": 11, "minute": 48}
